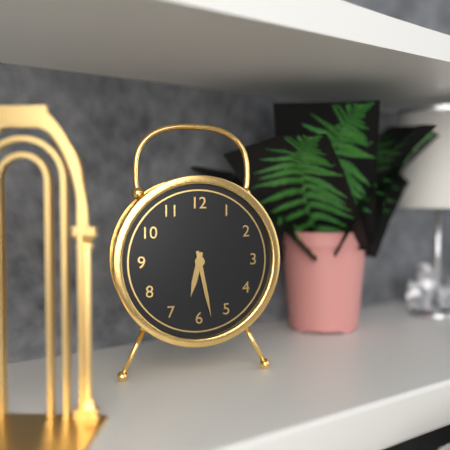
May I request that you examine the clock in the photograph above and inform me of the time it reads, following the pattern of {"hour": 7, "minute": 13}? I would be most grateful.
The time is {"hour": 6, "minute": 28}
